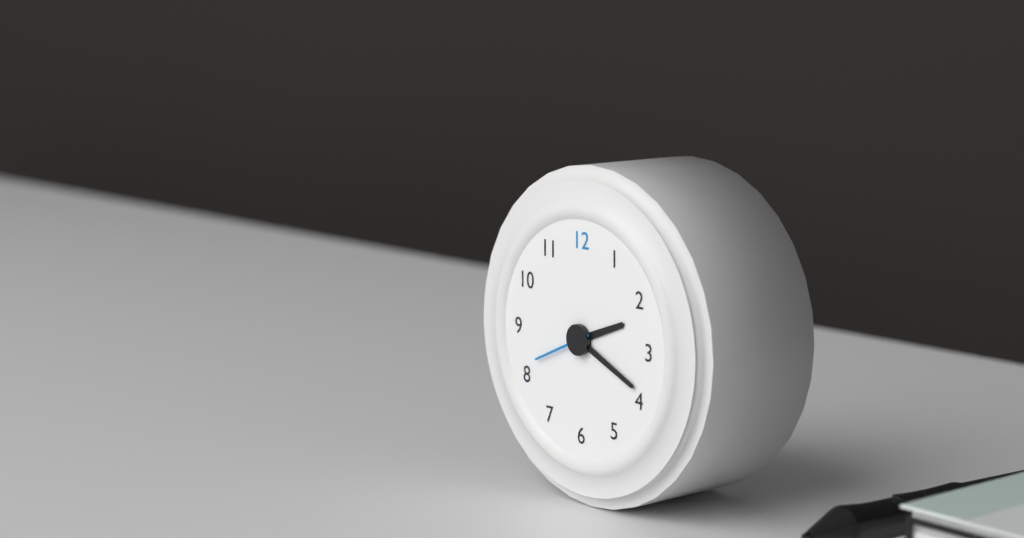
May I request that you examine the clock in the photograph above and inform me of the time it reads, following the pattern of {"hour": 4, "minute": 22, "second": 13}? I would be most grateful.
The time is {"hour": 2, "minute": 19, "second": 41}
